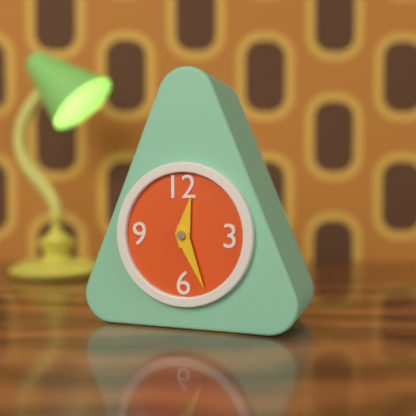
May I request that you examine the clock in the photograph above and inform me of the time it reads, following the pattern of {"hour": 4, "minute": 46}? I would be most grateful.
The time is {"hour": 12, "minute": 26}
